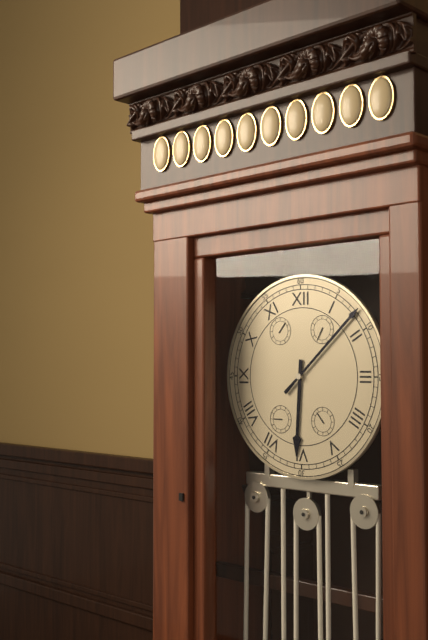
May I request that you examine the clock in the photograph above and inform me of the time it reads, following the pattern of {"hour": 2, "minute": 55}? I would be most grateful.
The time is {"hour": 6, "minute": 8}
